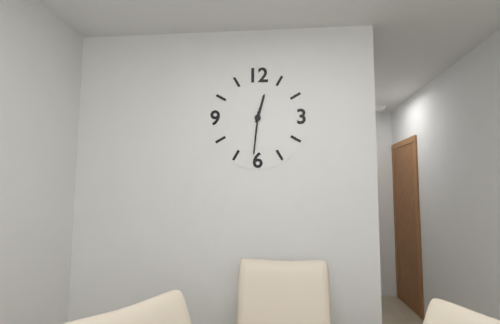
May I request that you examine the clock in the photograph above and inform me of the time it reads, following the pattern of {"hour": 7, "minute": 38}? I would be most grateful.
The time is {"hour": 12, "minute": 31}
